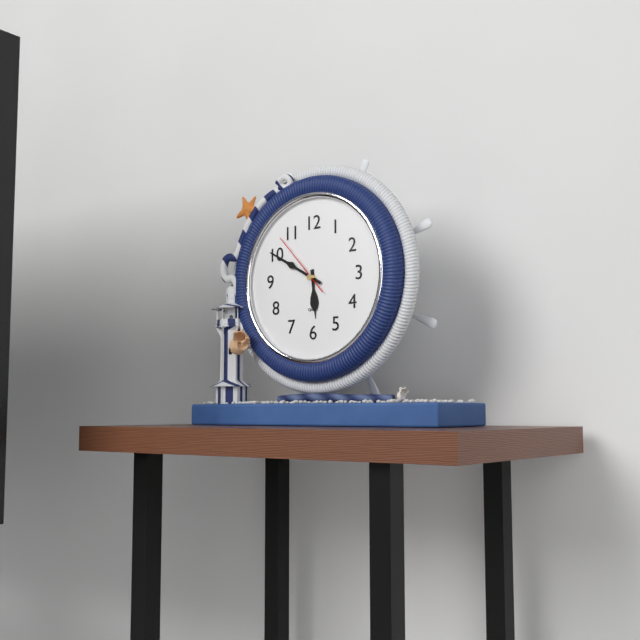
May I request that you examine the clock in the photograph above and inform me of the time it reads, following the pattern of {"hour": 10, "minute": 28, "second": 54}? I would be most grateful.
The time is {"hour": 5, "minute": 50, "second": 53}
